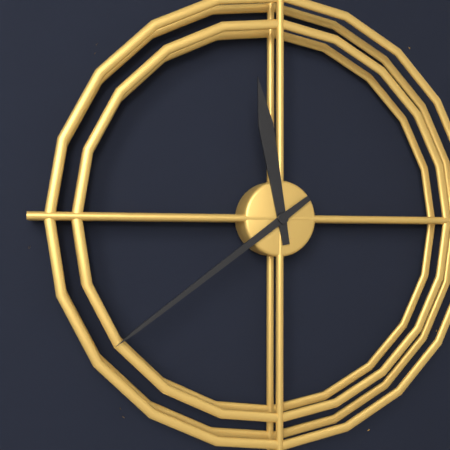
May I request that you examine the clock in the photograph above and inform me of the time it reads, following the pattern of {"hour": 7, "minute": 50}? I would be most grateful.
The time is {"hour": 11, "minute": 39}
